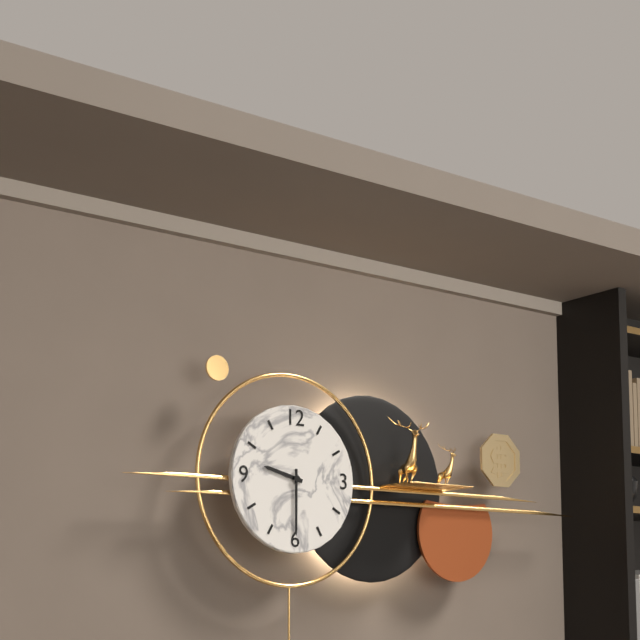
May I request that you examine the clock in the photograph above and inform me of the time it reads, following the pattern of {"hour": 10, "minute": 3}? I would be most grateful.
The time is {"hour": 9, "minute": 30}
